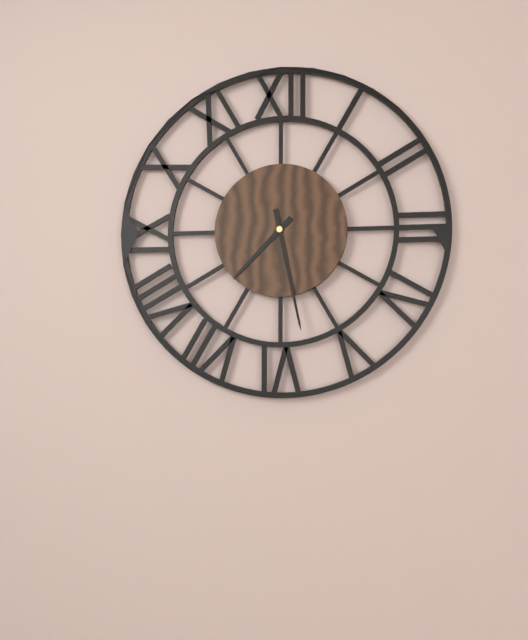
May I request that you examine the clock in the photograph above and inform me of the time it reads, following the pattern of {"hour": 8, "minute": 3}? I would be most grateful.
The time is {"hour": 7, "minute": 28}
